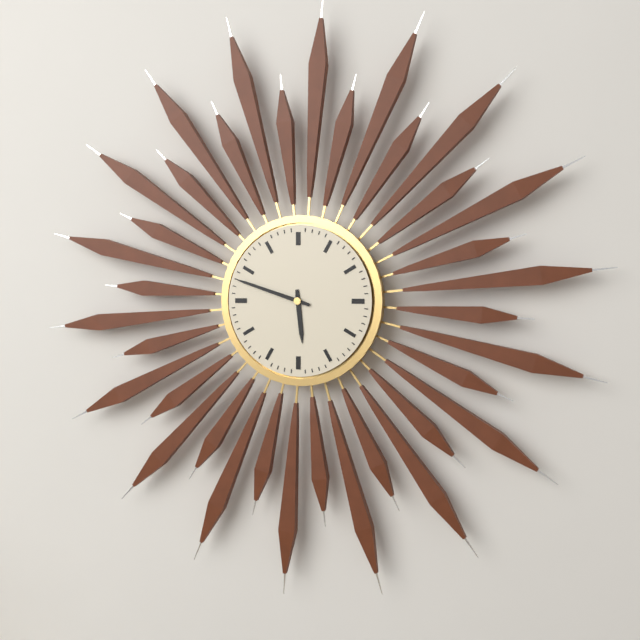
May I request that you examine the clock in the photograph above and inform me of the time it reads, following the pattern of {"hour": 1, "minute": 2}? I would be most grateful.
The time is {"hour": 5, "minute": 48}
